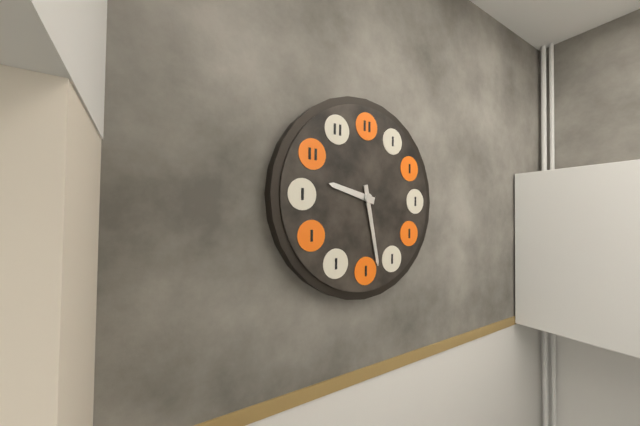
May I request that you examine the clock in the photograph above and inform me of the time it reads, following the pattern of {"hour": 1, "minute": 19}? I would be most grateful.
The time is {"hour": 9, "minute": 28}
